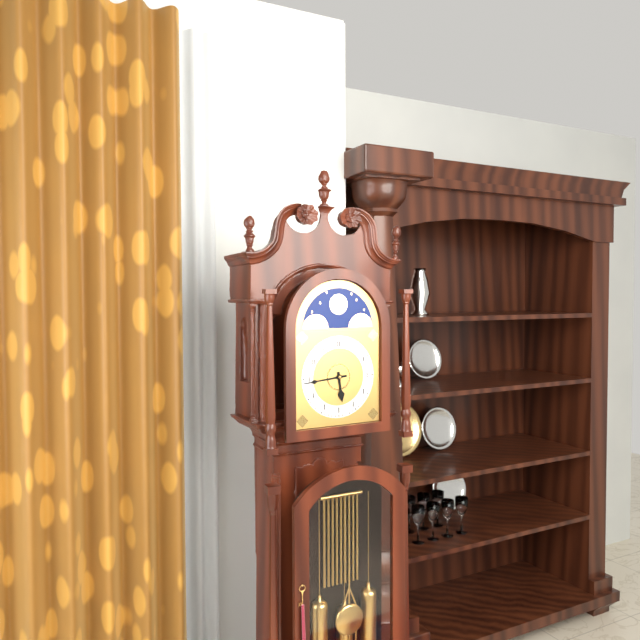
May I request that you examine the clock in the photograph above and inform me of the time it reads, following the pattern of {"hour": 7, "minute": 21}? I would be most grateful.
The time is {"hour": 5, "minute": 44}
